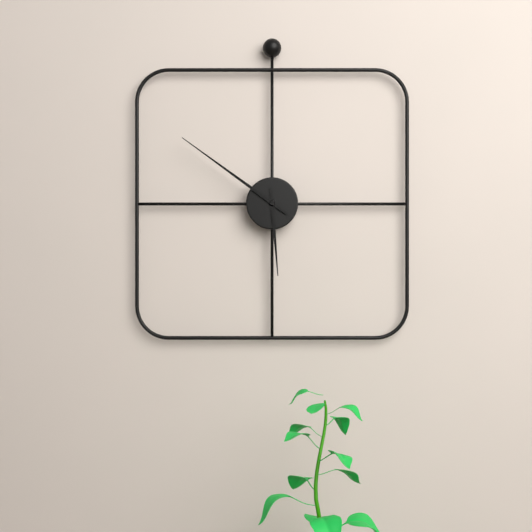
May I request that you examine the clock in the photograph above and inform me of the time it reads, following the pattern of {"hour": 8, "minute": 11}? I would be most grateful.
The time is {"hour": 5, "minute": 51}
